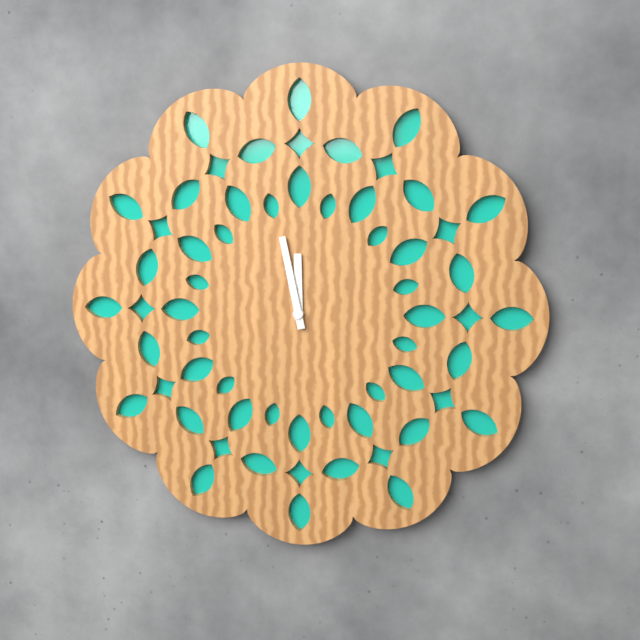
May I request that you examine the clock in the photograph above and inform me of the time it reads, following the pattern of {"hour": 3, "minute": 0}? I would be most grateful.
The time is {"hour": 11, "minute": 58}
